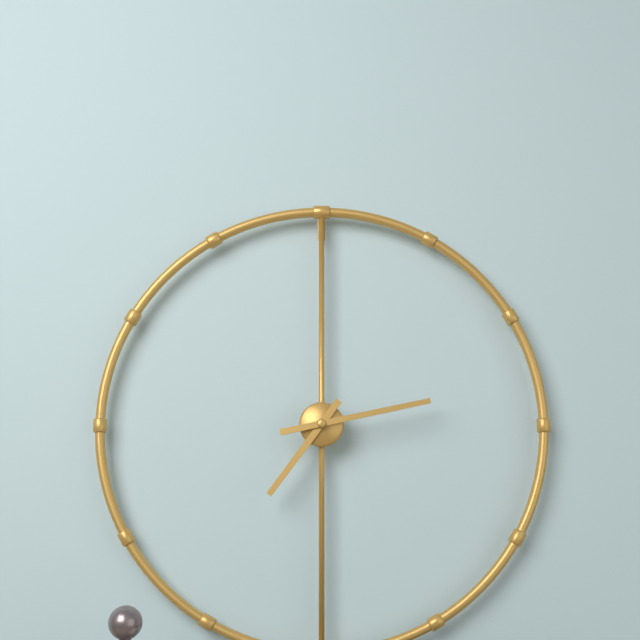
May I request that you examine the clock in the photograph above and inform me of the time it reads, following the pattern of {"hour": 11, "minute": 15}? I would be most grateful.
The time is {"hour": 7, "minute": 13}
